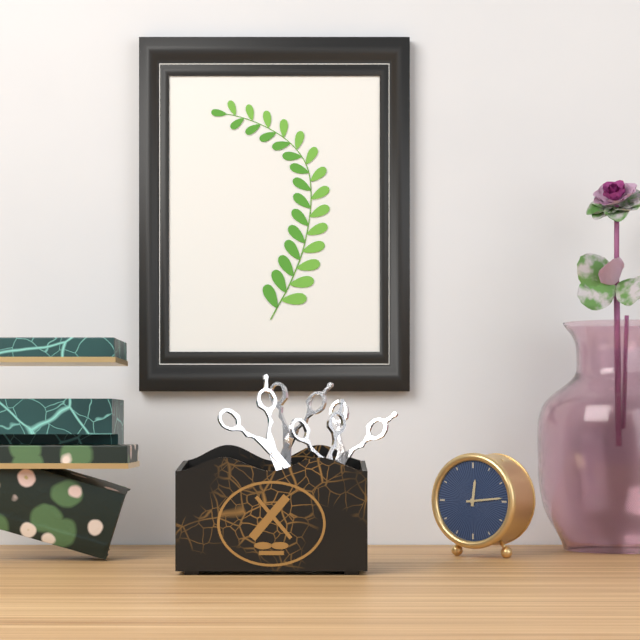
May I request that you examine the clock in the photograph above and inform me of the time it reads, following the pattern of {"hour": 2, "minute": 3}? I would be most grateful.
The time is {"hour": 12, "minute": 14}
